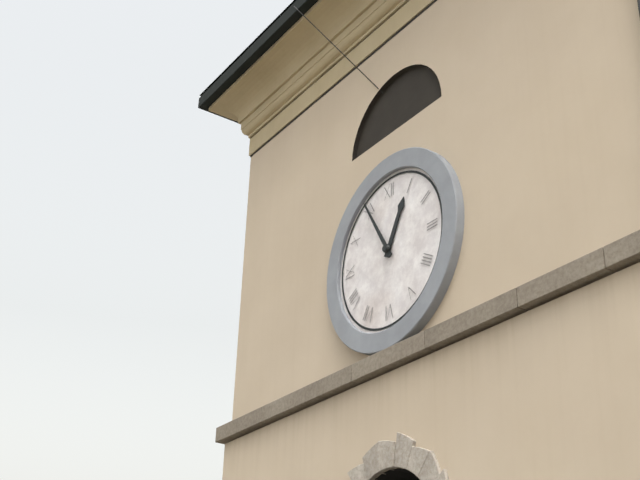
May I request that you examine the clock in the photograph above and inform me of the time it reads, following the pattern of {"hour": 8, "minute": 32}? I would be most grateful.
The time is {"hour": 12, "minute": 55}
